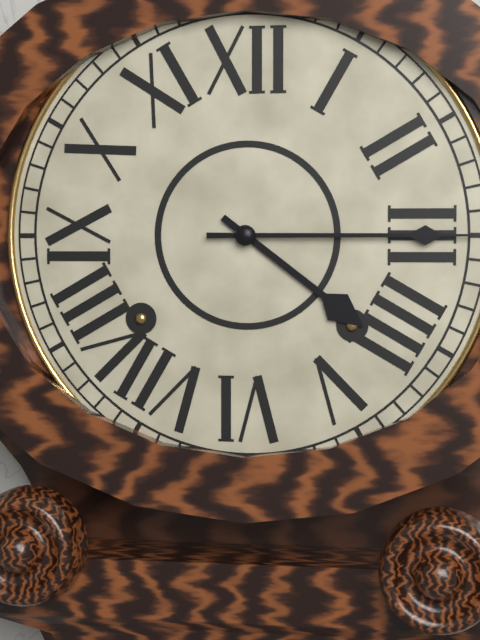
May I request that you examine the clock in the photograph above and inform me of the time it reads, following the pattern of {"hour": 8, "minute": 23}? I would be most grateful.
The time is {"hour": 4, "minute": 15}
